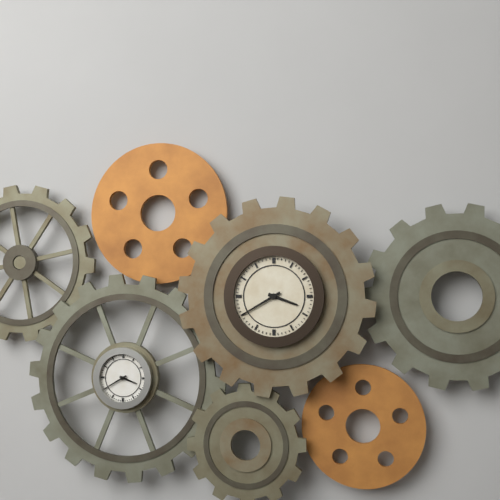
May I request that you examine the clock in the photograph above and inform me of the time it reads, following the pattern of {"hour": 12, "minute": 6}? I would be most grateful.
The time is {"hour": 3, "minute": 40}
